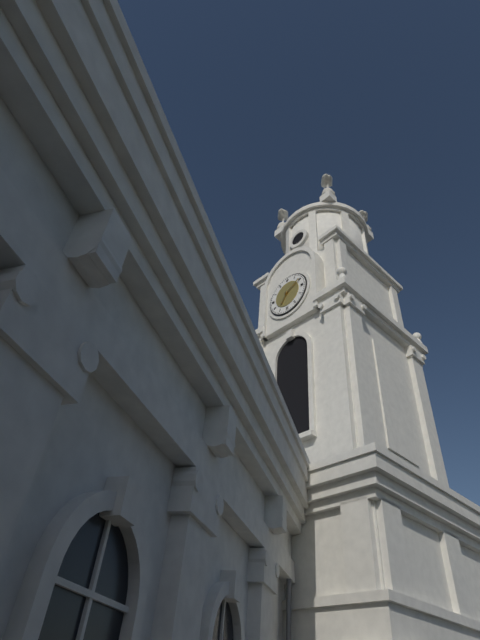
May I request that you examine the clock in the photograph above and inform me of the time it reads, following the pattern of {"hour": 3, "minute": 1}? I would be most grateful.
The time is {"hour": 7, "minute": 10}
